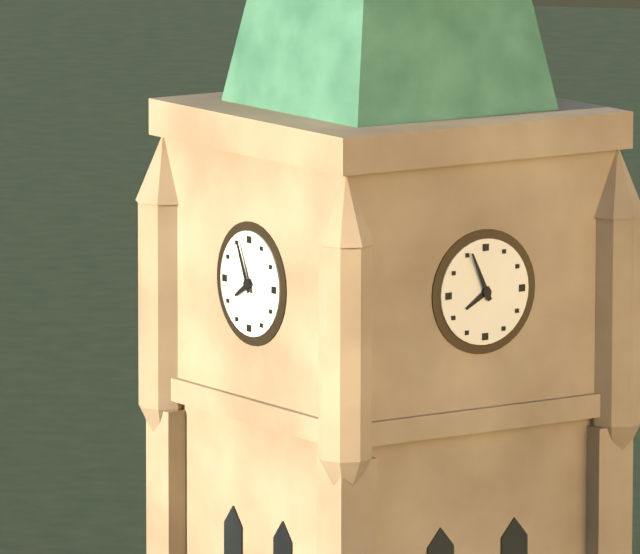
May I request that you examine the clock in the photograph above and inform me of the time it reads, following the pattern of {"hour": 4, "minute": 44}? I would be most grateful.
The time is {"hour": 7, "minute": 56}
